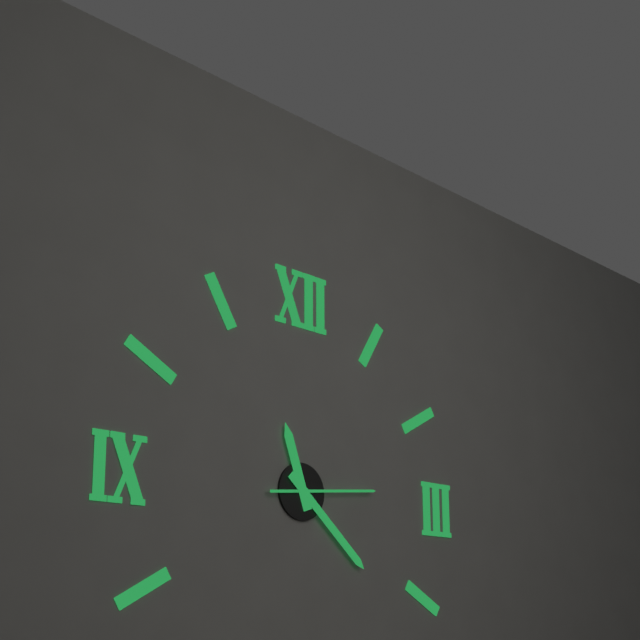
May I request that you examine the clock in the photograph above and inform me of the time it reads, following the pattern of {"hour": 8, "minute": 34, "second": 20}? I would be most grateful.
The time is {"hour": 11, "minute": 22, "second": 14}
